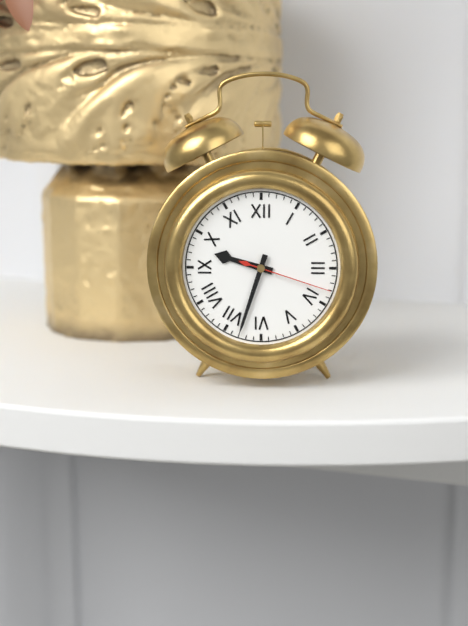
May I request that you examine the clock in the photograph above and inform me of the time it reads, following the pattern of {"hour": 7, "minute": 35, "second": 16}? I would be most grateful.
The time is {"hour": 9, "minute": 33, "second": 18}
